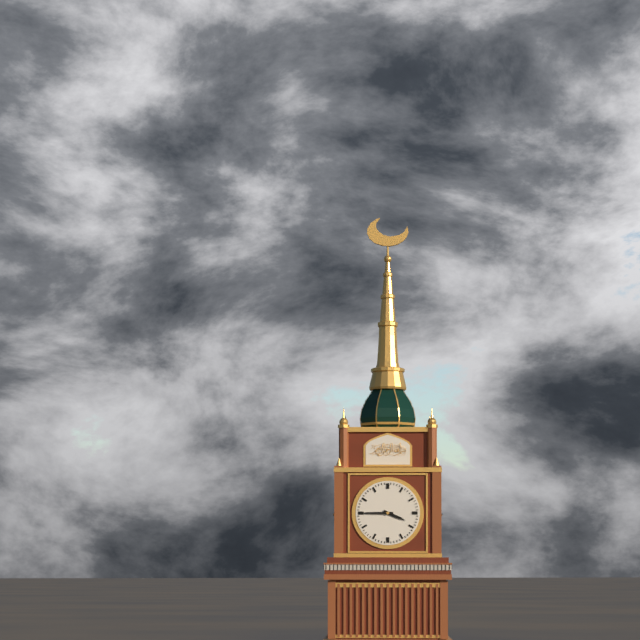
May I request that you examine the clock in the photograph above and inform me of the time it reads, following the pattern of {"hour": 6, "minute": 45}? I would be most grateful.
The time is {"hour": 3, "minute": 45}
